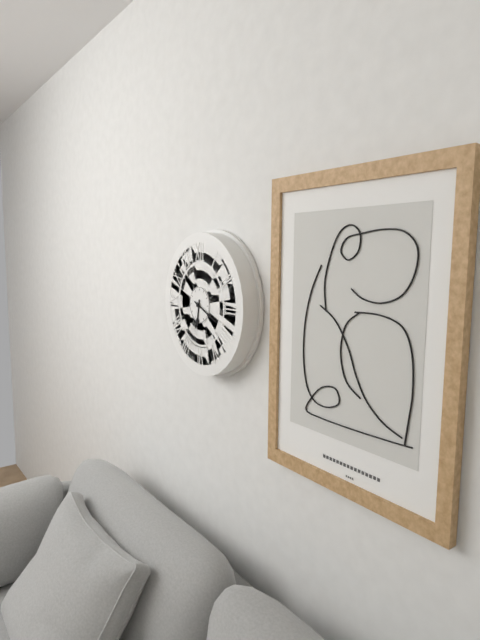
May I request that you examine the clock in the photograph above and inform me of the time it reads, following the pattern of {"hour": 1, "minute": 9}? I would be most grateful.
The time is {"hour": 6, "minute": 19}
